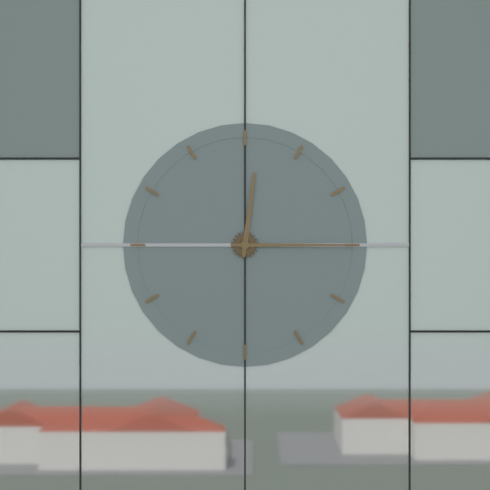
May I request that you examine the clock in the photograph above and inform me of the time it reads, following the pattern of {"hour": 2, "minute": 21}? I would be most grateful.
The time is {"hour": 12, "minute": 15}
